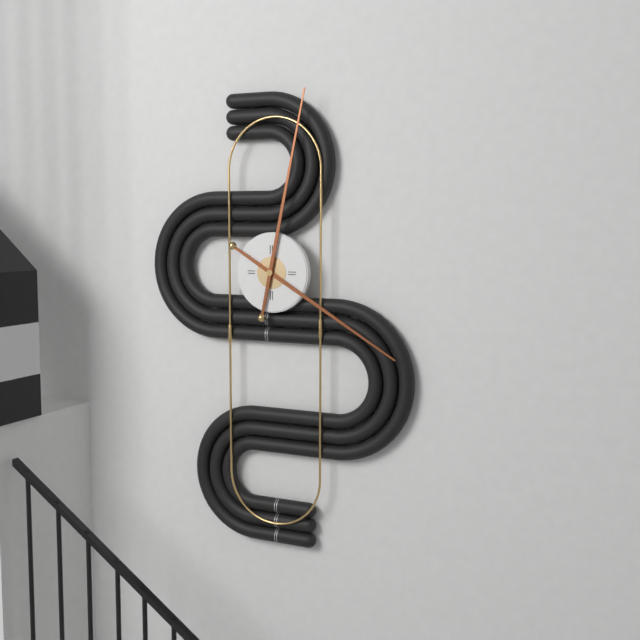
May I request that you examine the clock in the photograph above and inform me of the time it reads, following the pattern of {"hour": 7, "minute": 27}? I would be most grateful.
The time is {"hour": 4, "minute": 2}
